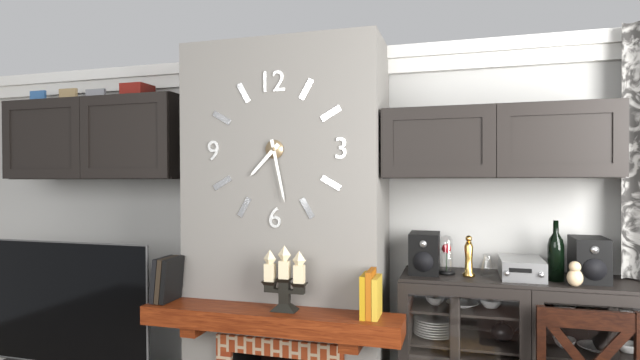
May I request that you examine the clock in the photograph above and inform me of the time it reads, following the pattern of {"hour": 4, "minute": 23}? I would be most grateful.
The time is {"hour": 7, "minute": 28}
